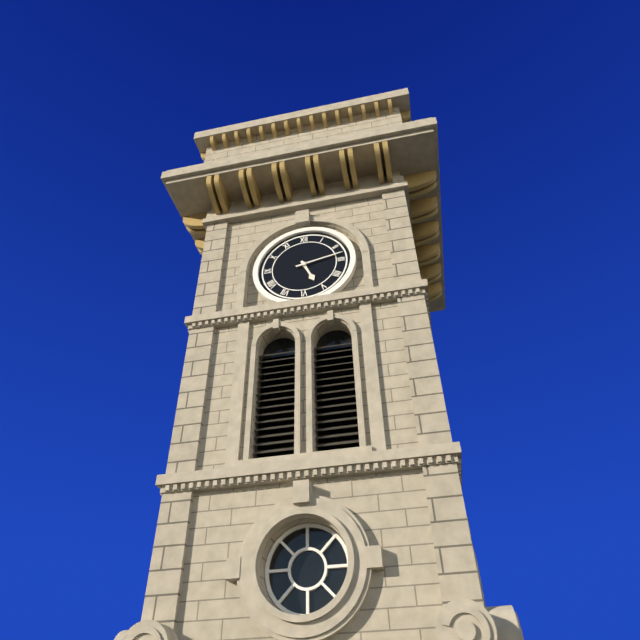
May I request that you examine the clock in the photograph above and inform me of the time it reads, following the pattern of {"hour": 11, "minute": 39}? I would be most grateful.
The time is {"hour": 5, "minute": 13}
